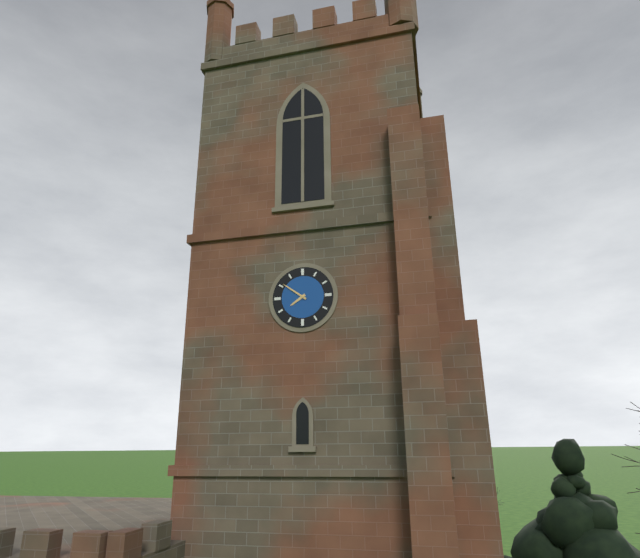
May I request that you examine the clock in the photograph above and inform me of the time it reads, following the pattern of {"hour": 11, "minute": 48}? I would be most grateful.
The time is {"hour": 7, "minute": 51}
